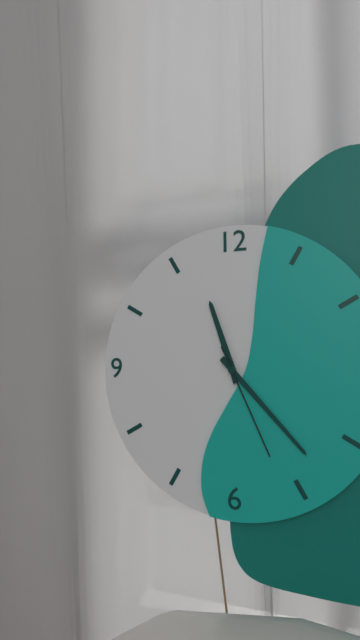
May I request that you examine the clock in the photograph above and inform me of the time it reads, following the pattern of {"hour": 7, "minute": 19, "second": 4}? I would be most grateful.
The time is {"hour": 11, "minute": 23, "second": 26}
